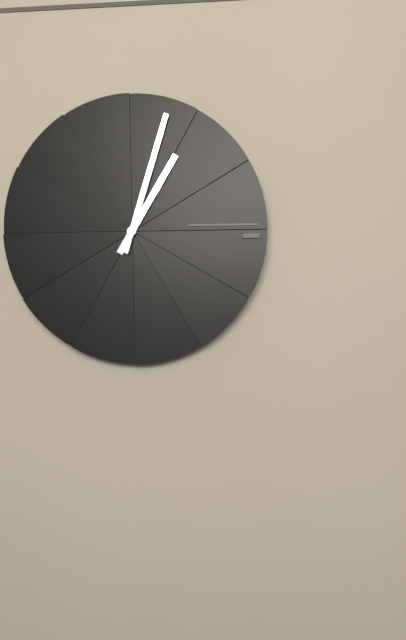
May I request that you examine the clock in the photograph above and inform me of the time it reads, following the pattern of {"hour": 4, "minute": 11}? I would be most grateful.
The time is {"hour": 1, "minute": 3}
